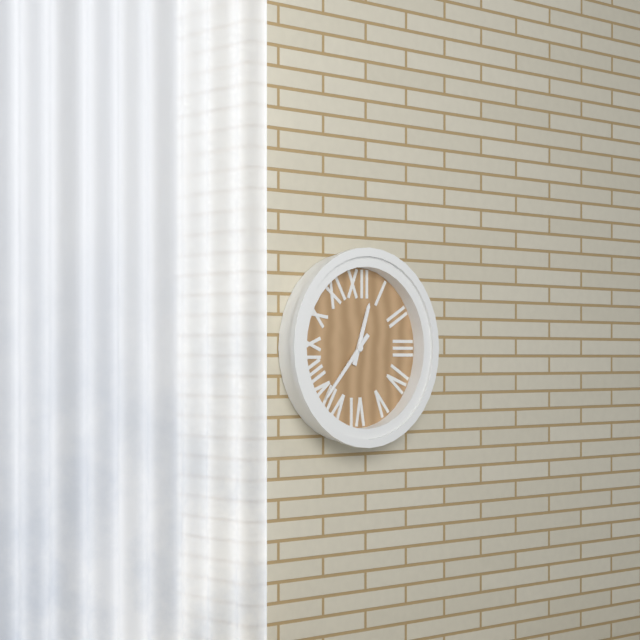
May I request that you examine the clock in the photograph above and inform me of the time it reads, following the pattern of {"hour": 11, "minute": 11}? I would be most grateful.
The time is {"hour": 12, "minute": 37}
